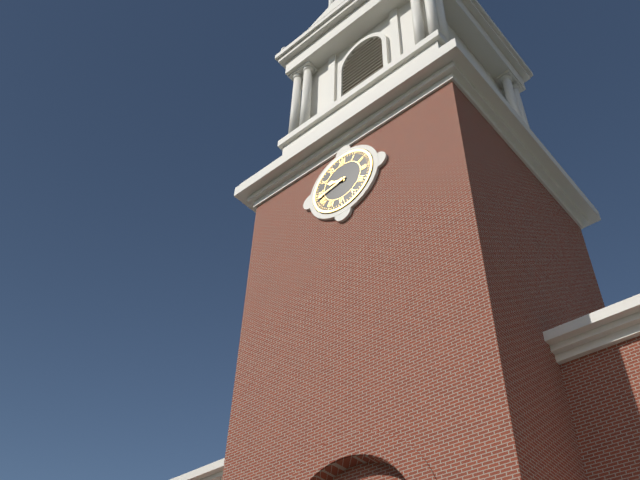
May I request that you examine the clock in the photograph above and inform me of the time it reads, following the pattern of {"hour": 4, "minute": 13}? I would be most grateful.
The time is {"hour": 9, "minute": 43}
